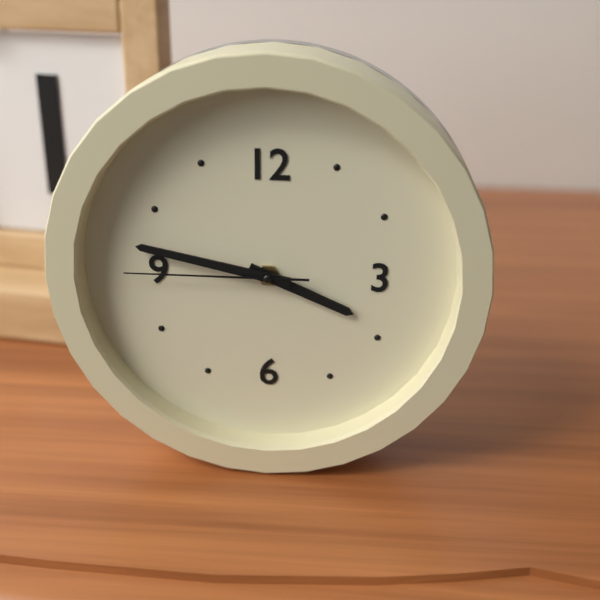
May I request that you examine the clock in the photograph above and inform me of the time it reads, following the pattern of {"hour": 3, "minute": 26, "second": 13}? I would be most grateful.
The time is {"hour": 3, "minute": 47, "second": 45}
